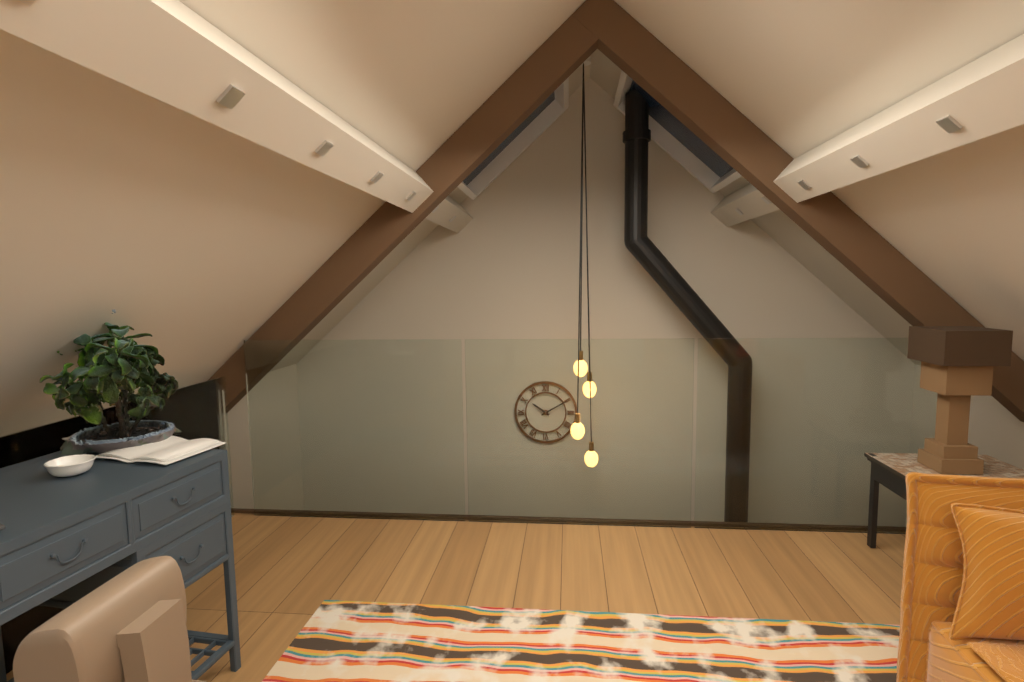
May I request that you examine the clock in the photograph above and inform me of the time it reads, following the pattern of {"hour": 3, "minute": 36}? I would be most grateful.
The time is {"hour": 10, "minute": 10}
